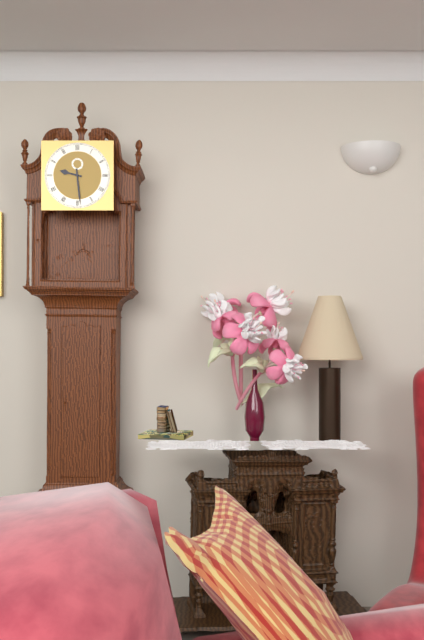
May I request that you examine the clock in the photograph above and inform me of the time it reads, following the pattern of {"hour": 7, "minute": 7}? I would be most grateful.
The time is {"hour": 9, "minute": 29}
